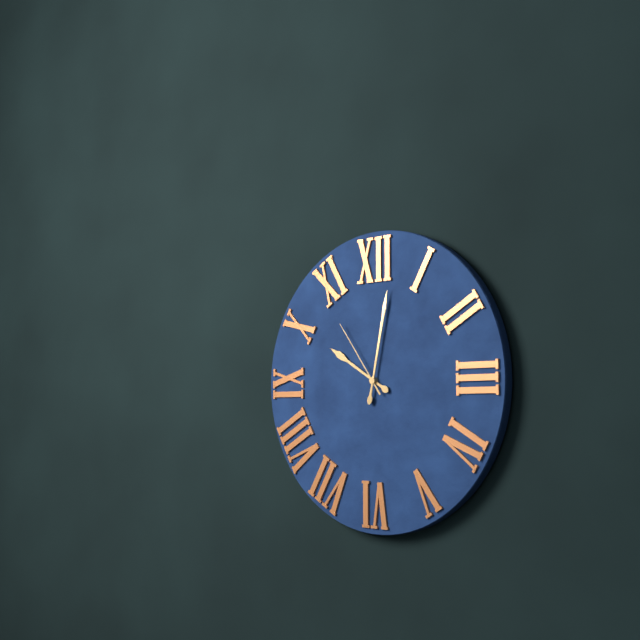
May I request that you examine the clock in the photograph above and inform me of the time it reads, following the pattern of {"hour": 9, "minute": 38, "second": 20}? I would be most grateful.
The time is {"hour": 10, "minute": 2, "second": 54}
